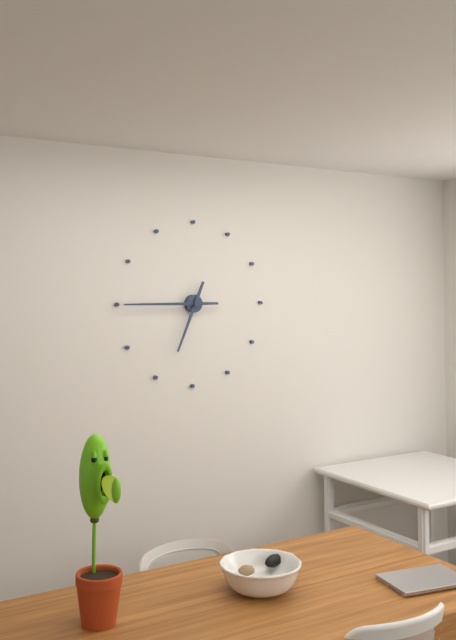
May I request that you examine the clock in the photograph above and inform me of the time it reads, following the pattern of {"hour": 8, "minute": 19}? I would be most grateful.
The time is {"hour": 6, "minute": 45}
